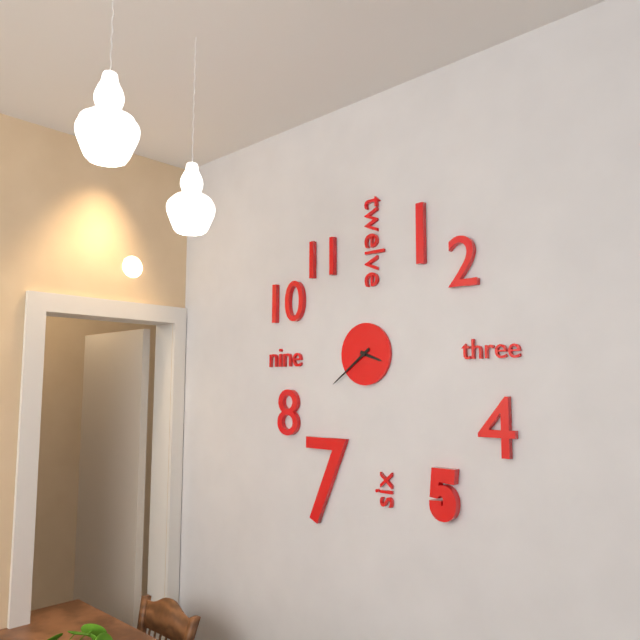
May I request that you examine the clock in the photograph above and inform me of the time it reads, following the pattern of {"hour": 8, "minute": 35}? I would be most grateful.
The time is {"hour": 3, "minute": 39}
